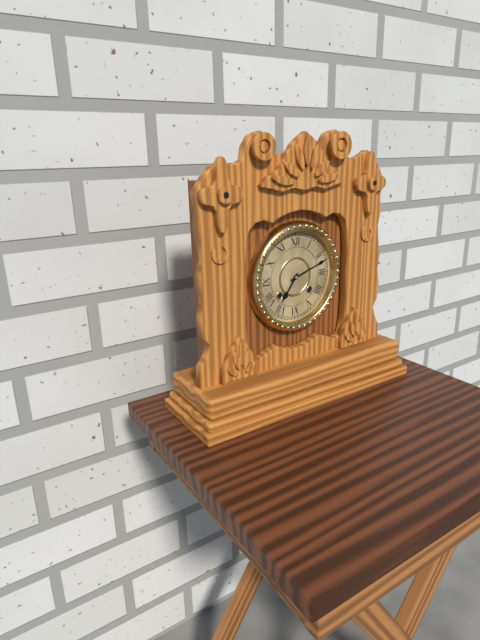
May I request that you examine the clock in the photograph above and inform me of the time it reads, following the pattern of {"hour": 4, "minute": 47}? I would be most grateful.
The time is {"hour": 7, "minute": 12}
